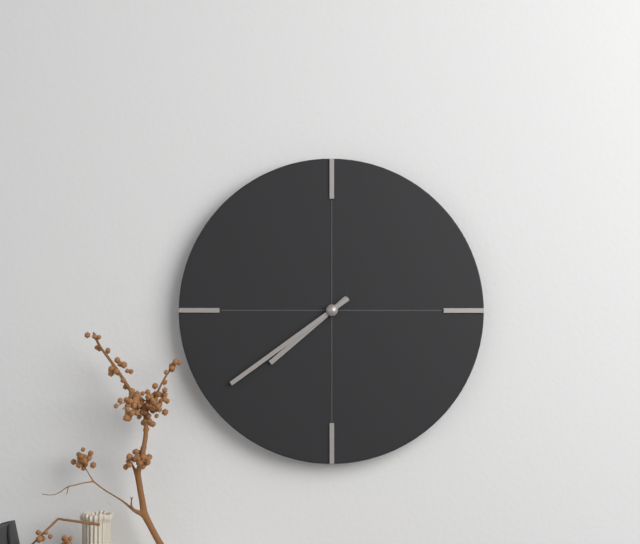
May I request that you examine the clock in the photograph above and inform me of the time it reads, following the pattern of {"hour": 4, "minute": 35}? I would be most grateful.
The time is {"hour": 7, "minute": 39}
